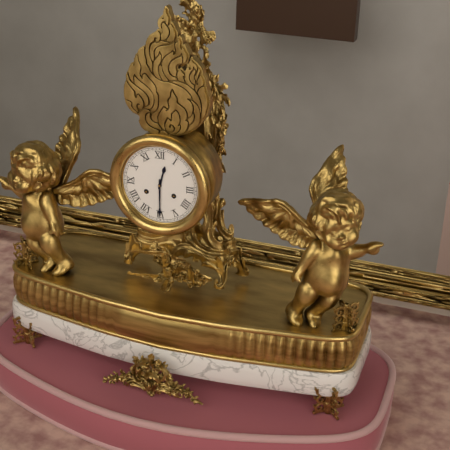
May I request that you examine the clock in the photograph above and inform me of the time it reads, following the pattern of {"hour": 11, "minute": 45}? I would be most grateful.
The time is {"hour": 12, "minute": 30}
